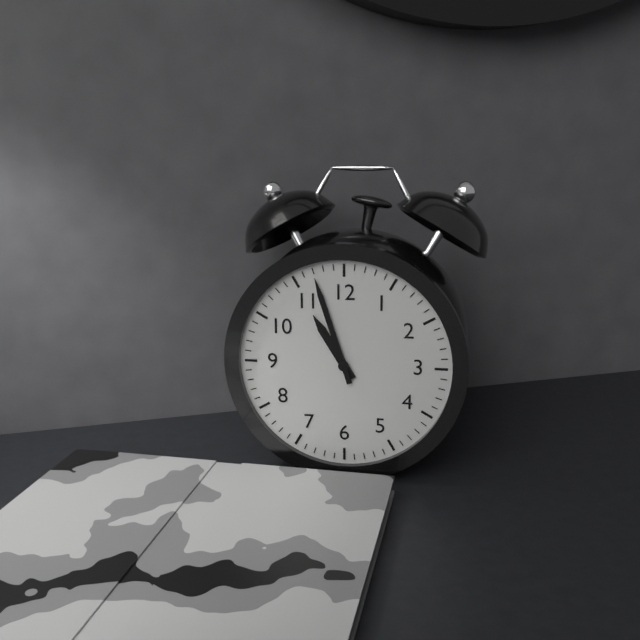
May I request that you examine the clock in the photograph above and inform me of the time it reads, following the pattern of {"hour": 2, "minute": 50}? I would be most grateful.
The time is {"hour": 10, "minute": 57}
